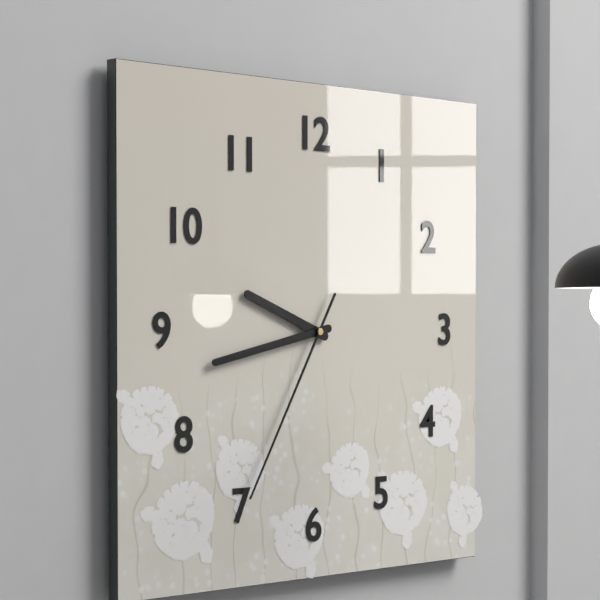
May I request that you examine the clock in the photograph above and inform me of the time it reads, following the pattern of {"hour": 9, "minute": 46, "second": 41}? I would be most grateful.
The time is {"hour": 9, "minute": 43, "second": 35}
